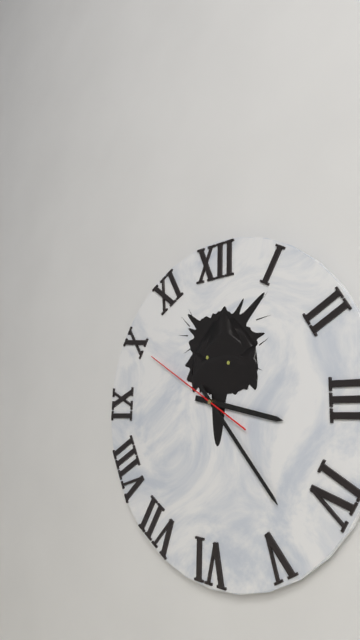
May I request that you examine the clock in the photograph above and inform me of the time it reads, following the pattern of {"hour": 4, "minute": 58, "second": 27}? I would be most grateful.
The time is {"hour": 3, "minute": 23, "second": 50}
